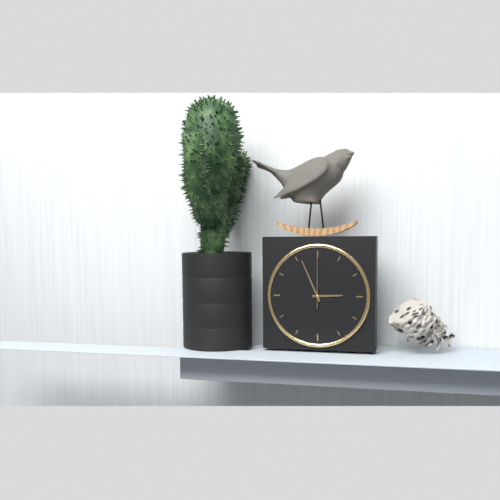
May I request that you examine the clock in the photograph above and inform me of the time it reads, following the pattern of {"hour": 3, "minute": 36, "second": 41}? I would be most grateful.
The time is {"hour": 2, "minute": 56, "second": 0}
